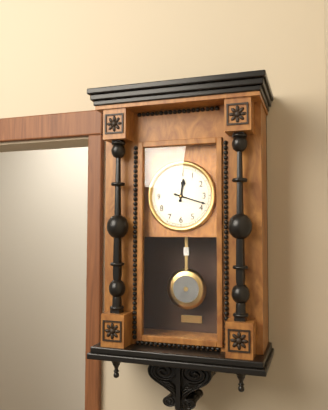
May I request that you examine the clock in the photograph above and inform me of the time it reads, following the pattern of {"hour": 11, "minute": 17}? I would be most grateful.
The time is {"hour": 12, "minute": 18}
